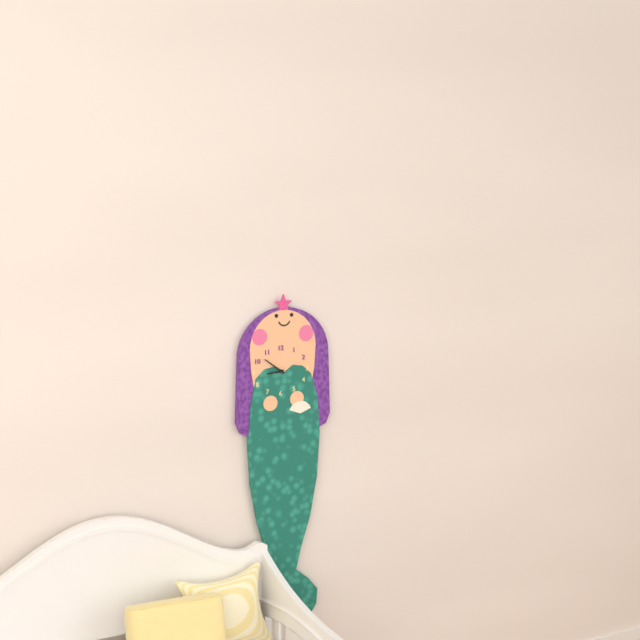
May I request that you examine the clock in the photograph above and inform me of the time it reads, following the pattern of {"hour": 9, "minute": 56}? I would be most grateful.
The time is {"hour": 8, "minute": 51}
